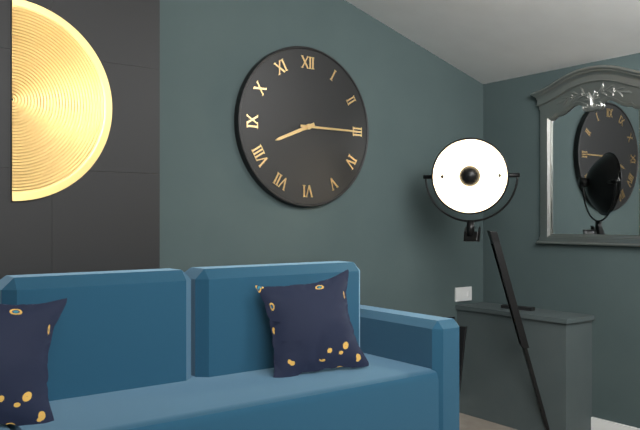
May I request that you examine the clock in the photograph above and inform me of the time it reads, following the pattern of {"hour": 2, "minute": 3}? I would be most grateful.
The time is {"hour": 8, "minute": 15}
